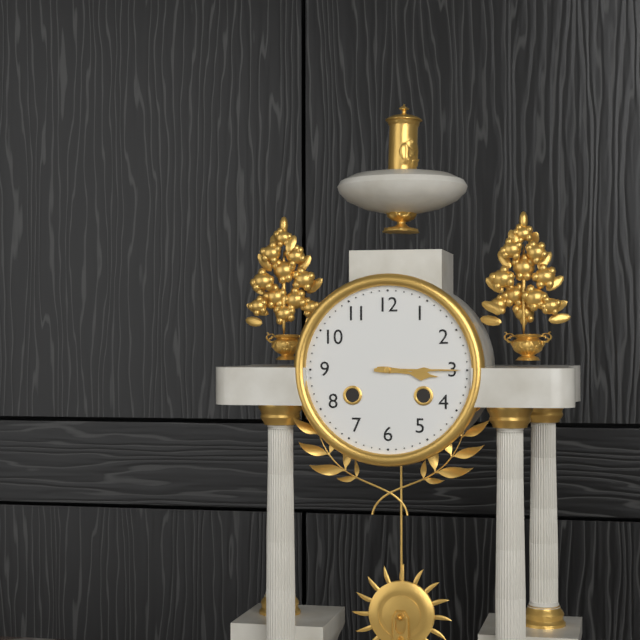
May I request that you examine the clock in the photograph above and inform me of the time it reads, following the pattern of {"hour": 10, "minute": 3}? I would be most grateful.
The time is {"hour": 3, "minute": 15}
